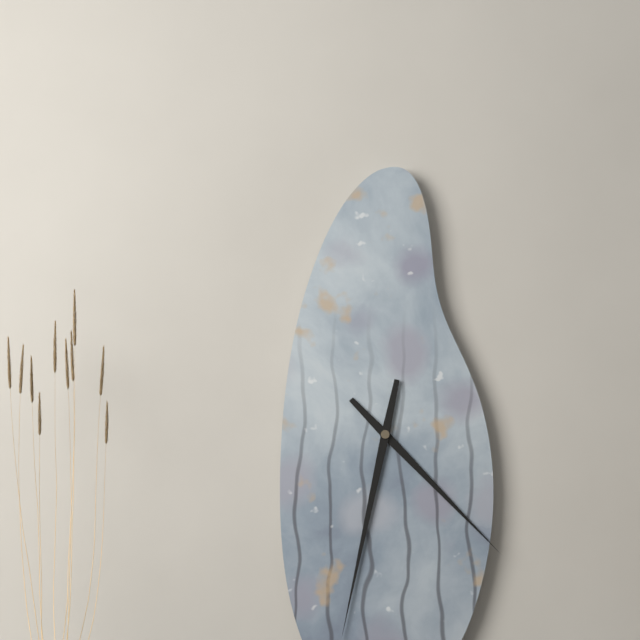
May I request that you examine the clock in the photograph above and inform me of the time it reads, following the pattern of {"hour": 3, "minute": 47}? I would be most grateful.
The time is {"hour": 4, "minute": 32}
